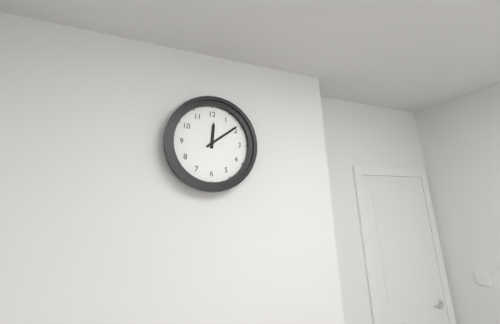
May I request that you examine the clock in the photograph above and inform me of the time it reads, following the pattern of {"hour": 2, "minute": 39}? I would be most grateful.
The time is {"hour": 12, "minute": 9}
